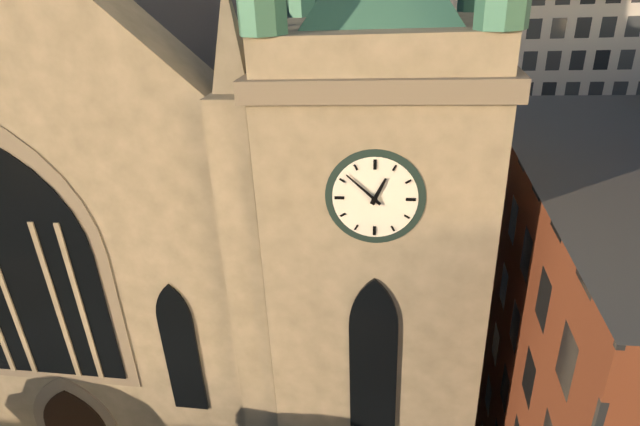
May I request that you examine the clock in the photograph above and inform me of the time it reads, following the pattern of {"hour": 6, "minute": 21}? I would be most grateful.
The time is {"hour": 12, "minute": 52}
